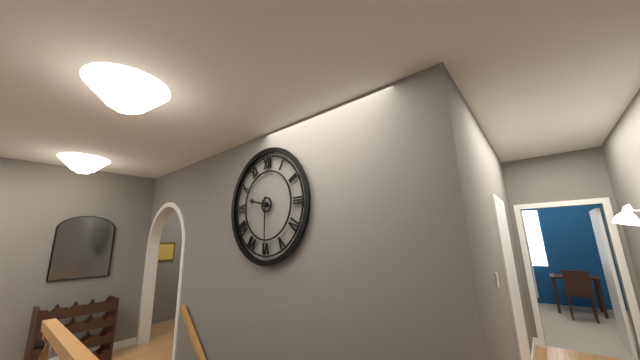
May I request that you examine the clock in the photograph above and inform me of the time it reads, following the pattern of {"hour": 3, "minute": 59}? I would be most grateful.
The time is {"hour": 9, "minute": 30}
